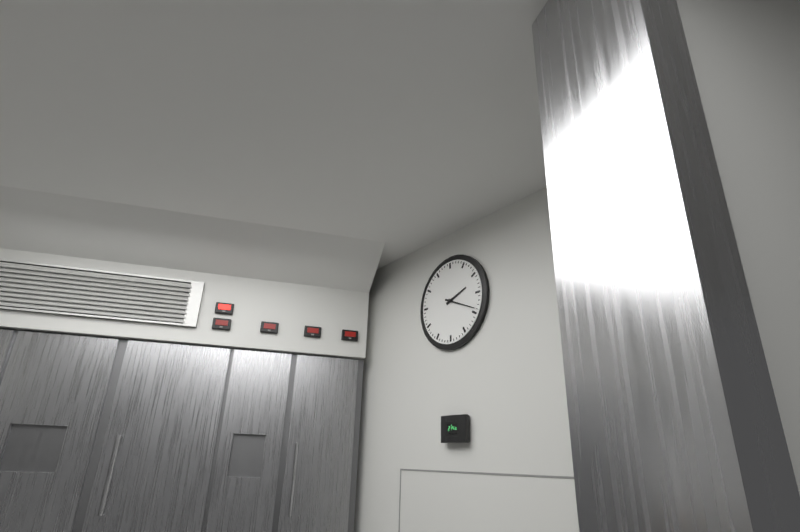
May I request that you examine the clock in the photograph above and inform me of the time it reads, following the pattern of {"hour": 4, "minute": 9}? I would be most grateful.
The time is {"hour": 2, "minute": 19}
